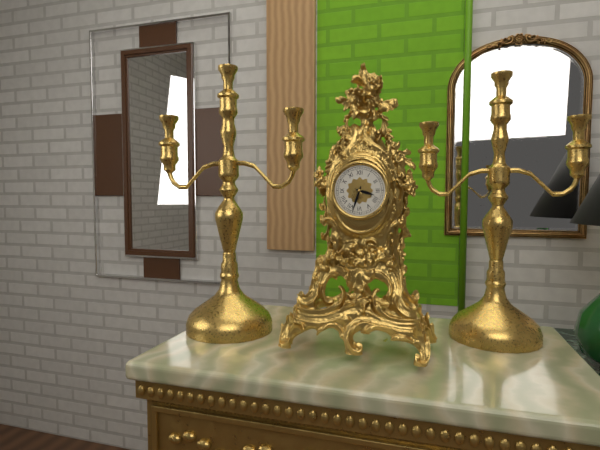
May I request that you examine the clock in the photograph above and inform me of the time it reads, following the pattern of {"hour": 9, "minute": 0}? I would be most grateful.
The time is {"hour": 3, "minute": 33}
